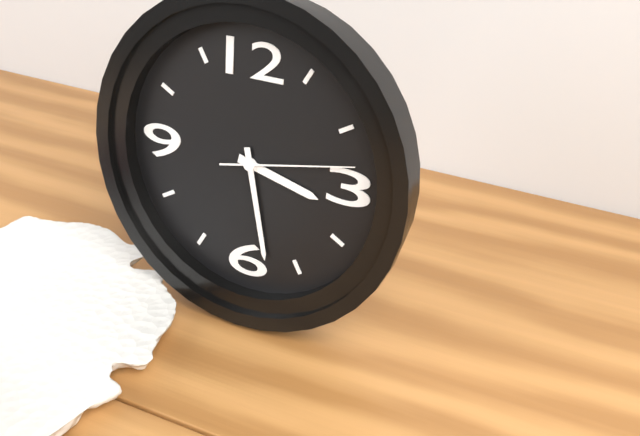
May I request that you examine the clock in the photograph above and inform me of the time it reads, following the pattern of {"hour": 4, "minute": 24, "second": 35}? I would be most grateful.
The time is {"hour": 3, "minute": 28, "second": 13}
